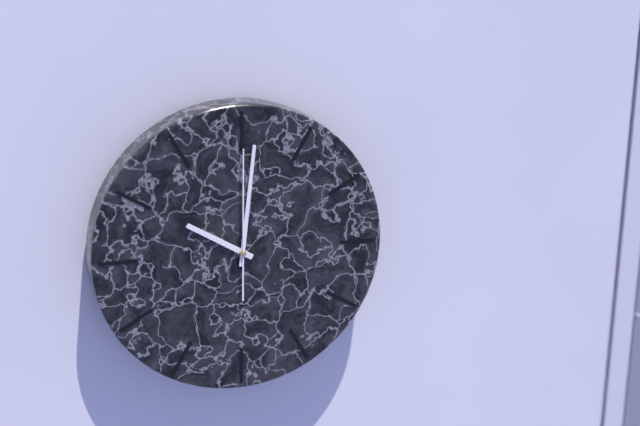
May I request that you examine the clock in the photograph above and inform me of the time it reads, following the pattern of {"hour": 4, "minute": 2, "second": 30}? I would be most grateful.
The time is {"hour": 10, "minute": 1, "second": 0}
